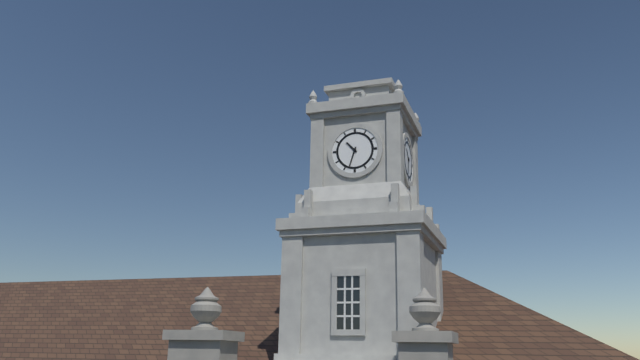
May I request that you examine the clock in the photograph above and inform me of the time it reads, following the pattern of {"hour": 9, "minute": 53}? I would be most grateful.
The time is {"hour": 10, "minute": 33}
